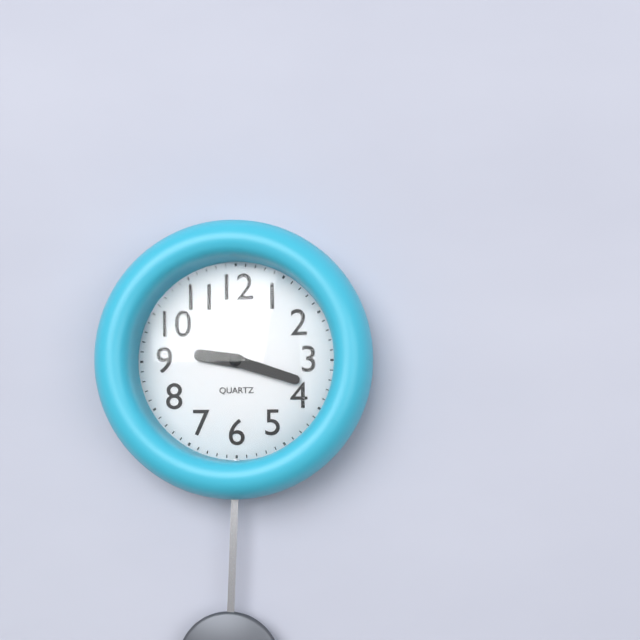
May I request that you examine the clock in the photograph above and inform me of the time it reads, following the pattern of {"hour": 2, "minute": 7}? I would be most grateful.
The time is {"hour": 9, "minute": 18}
